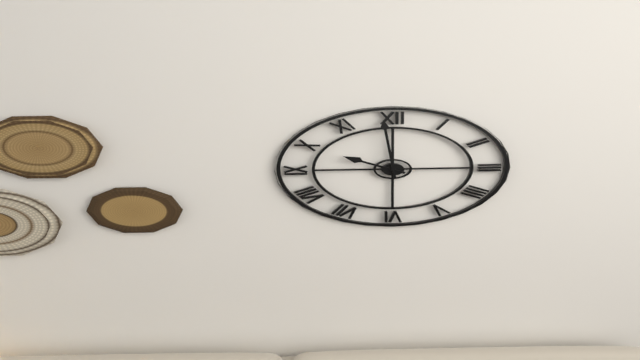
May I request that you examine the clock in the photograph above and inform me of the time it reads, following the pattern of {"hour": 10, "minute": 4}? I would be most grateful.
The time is {"hour": 9, "minute": 59}
